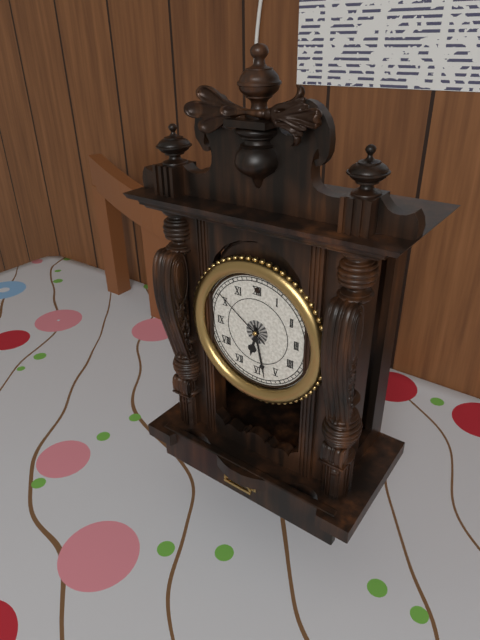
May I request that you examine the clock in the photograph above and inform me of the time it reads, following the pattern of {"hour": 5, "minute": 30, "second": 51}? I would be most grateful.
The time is {"hour": 6, "minute": 28, "second": 51}
